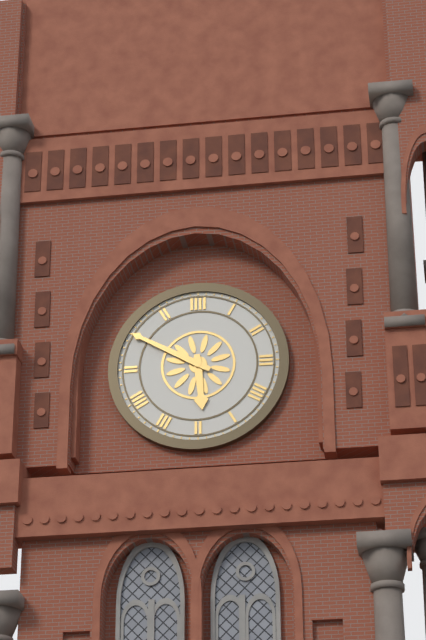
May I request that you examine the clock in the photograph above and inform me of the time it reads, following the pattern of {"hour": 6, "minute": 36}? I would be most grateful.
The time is {"hour": 5, "minute": 50}
